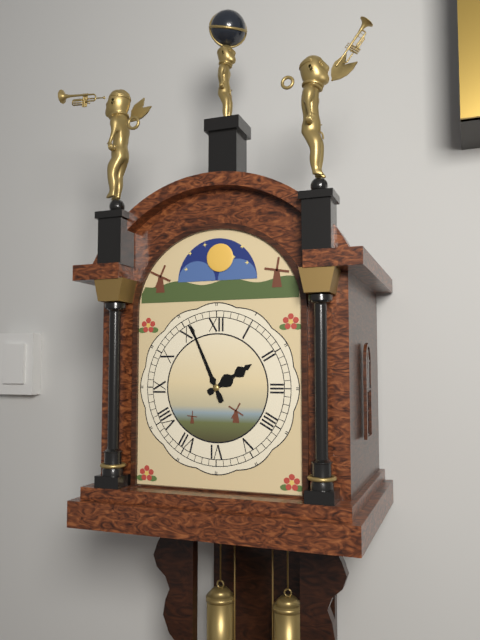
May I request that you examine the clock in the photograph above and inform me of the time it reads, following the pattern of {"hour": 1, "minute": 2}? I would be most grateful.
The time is {"hour": 1, "minute": 56}
